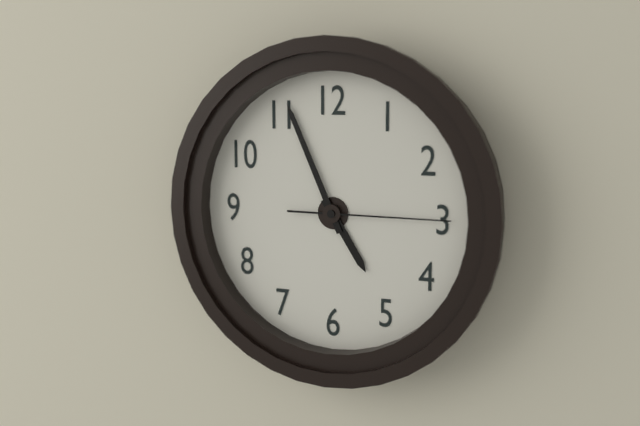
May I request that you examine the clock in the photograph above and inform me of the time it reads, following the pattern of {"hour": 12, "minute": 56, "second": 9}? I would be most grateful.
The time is {"hour": 4, "minute": 56, "second": 15}
